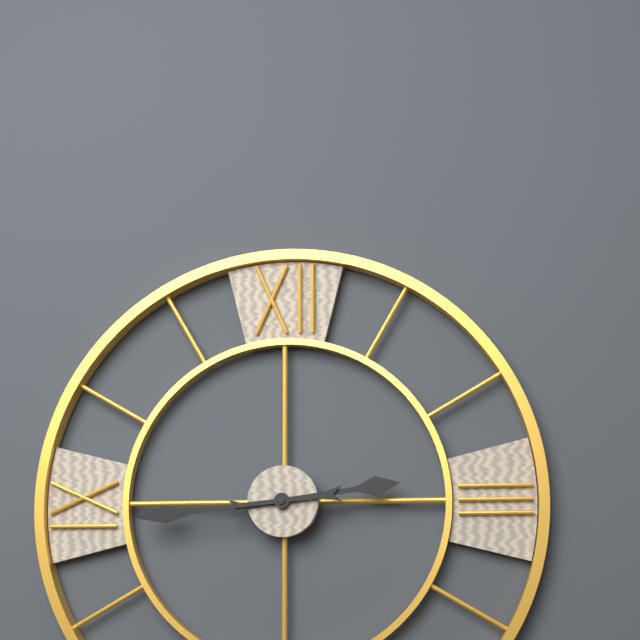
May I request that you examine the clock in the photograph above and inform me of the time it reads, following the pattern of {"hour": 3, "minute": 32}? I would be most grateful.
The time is {"hour": 2, "minute": 44}
